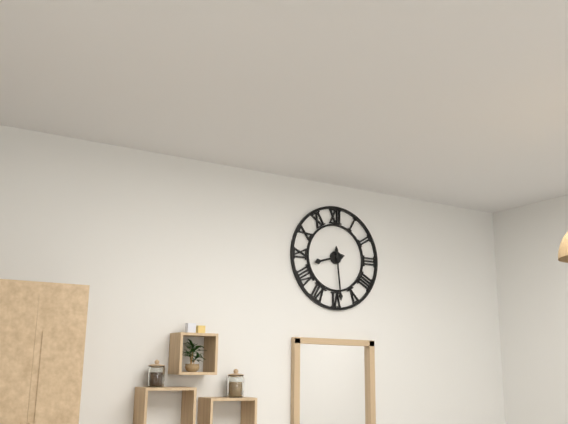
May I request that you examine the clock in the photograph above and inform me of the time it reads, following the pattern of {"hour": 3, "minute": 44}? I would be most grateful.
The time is {"hour": 8, "minute": 29}
